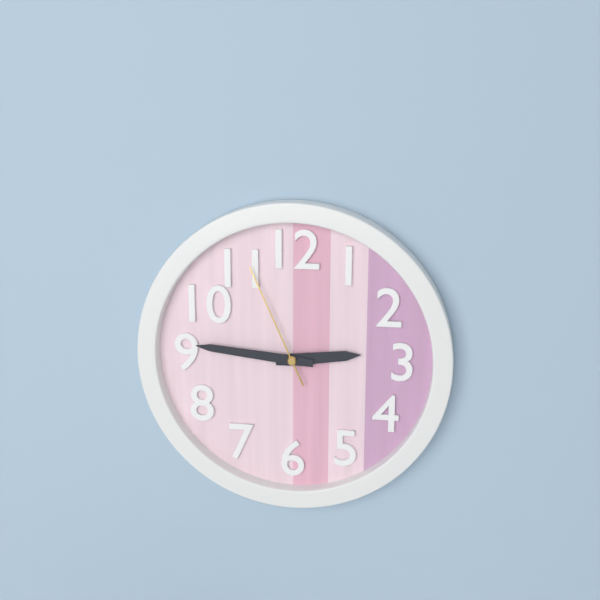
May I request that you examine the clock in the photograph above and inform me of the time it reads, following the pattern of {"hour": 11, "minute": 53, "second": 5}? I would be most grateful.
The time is {"hour": 2, "minute": 46, "second": 56}
